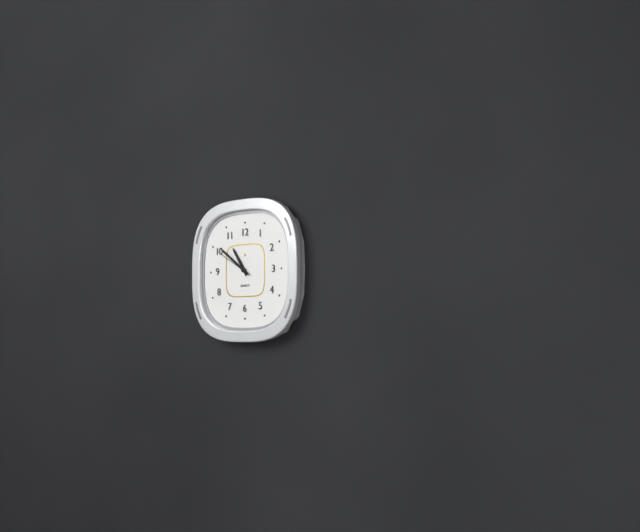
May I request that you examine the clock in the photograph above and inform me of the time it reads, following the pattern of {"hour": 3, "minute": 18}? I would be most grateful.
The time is {"hour": 10, "minute": 51}
